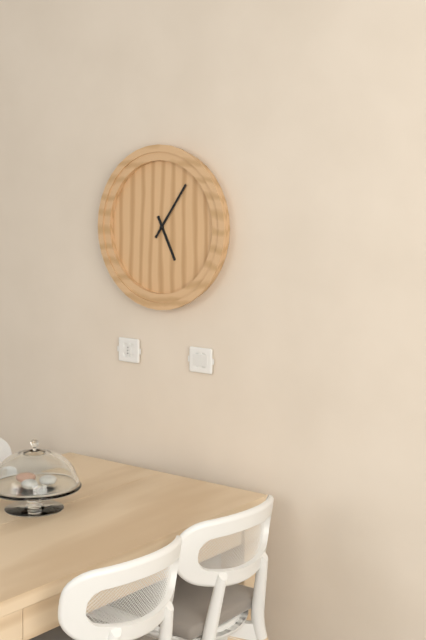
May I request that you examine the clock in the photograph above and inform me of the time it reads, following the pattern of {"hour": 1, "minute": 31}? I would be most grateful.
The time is {"hour": 5, "minute": 6}
